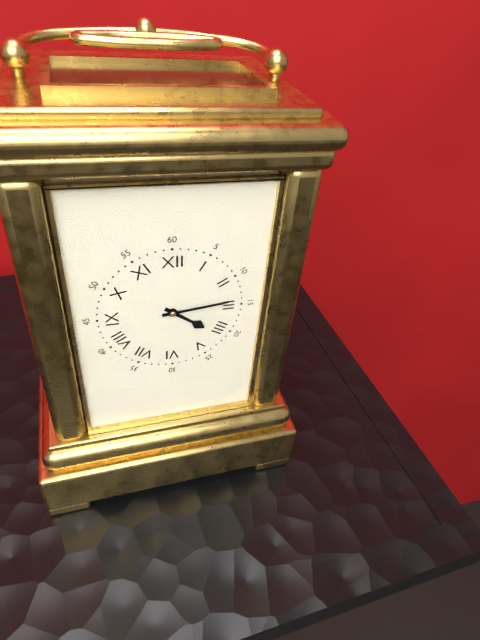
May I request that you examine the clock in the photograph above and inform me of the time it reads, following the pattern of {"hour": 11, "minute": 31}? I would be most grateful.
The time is {"hour": 4, "minute": 14}
